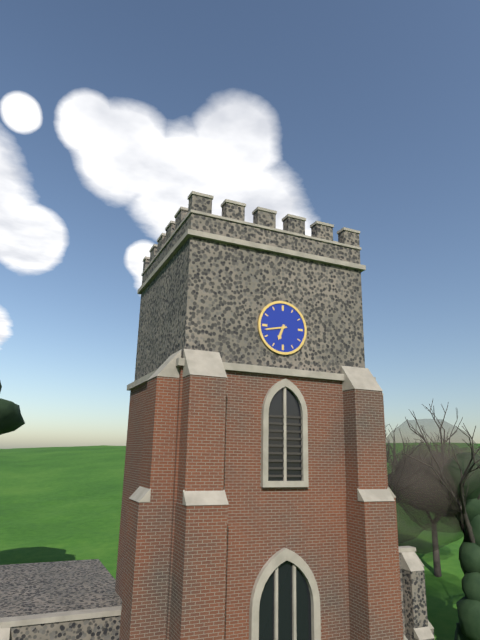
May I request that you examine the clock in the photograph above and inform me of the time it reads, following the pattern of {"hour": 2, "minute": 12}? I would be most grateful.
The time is {"hour": 6, "minute": 43}
